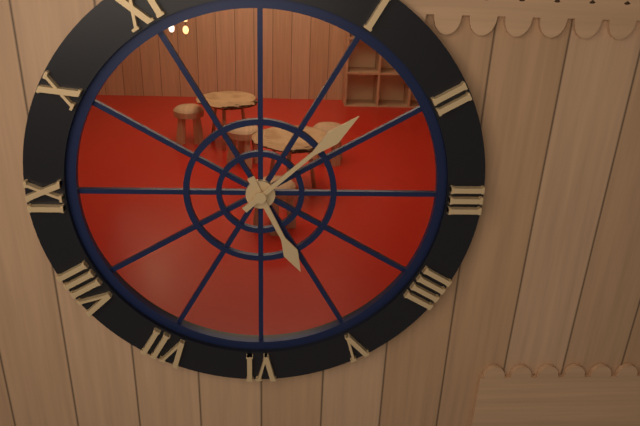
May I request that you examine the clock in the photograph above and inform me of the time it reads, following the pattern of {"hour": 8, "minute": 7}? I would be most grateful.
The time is {"hour": 5, "minute": 8}
